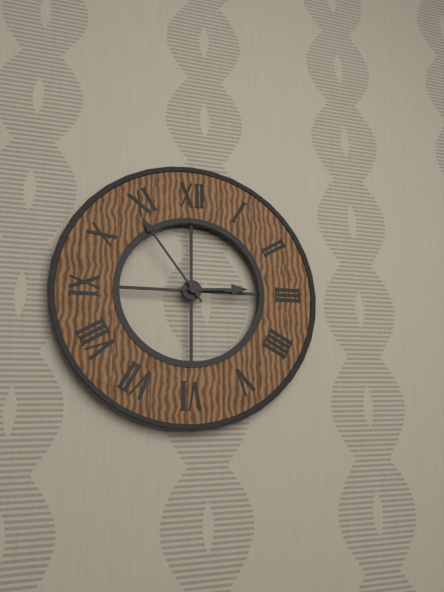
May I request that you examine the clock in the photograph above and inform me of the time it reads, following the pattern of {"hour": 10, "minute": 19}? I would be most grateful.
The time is {"hour": 2, "minute": 54}
